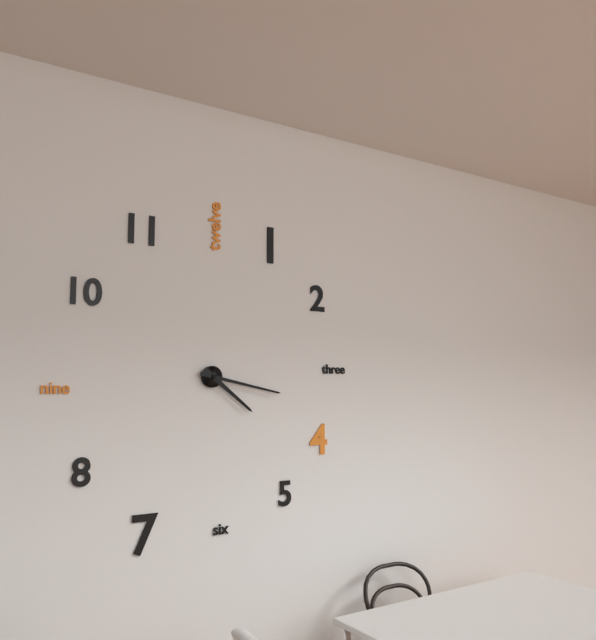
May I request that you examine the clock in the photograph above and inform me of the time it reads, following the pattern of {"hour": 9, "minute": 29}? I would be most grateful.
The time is {"hour": 4, "minute": 17}
